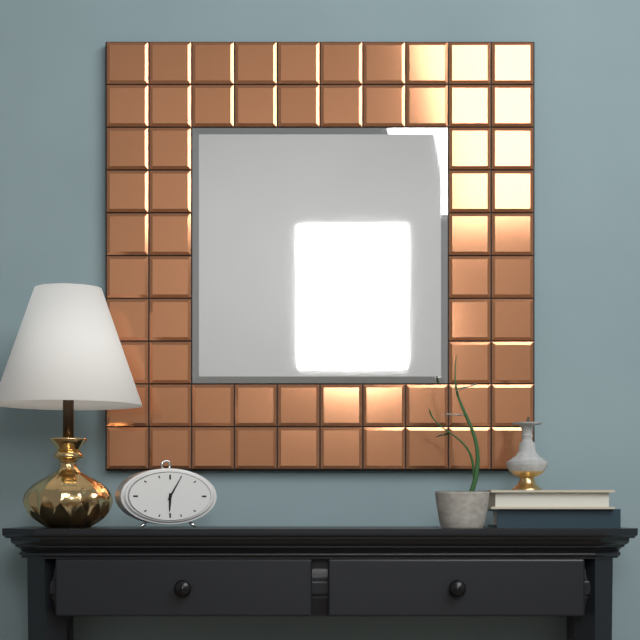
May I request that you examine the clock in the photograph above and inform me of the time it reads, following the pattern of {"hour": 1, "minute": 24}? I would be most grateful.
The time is {"hour": 6, "minute": 5}
